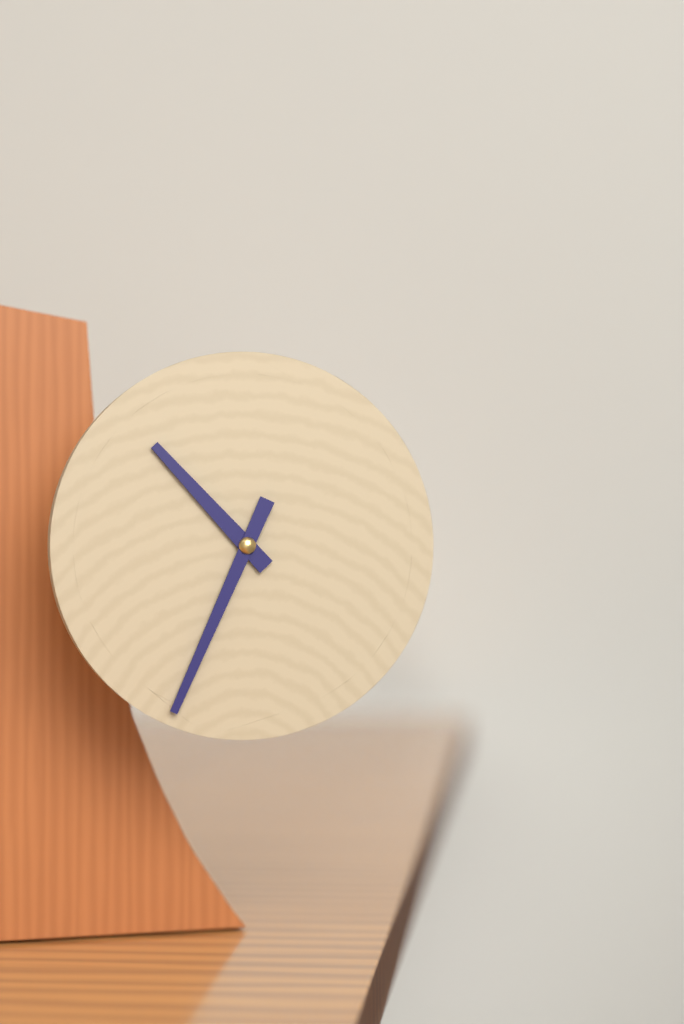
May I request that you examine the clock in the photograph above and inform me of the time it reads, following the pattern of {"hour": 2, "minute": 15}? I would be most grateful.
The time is {"hour": 10, "minute": 34}
